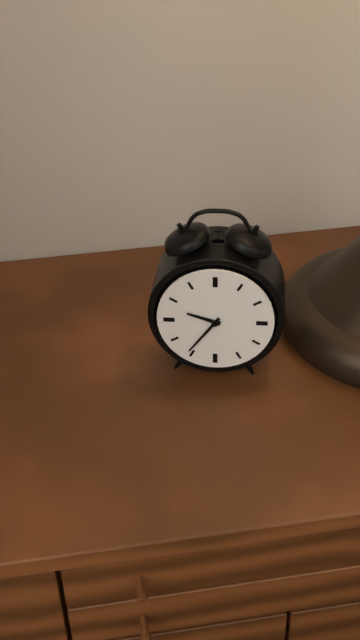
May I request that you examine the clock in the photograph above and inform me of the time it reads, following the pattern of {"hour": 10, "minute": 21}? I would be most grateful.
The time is {"hour": 9, "minute": 36}
